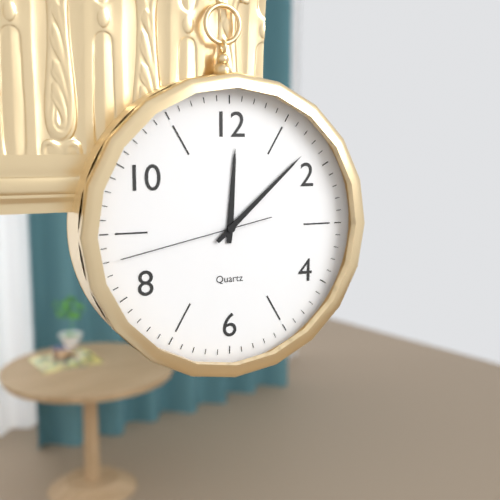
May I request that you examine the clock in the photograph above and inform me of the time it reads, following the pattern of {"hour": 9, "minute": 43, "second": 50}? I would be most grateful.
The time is {"hour": 12, "minute": 8, "second": 43}
